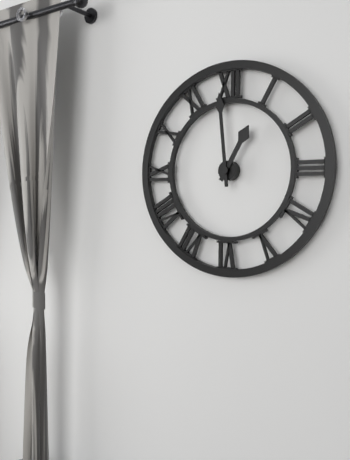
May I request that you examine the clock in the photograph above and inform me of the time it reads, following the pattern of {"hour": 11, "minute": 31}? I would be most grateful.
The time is {"hour": 12, "minute": 59}
